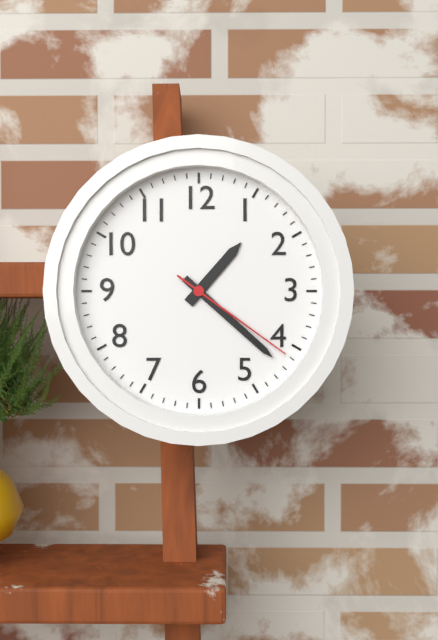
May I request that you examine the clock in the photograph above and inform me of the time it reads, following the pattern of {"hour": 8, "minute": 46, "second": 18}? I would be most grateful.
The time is {"hour": 1, "minute": 22, "second": 21}
